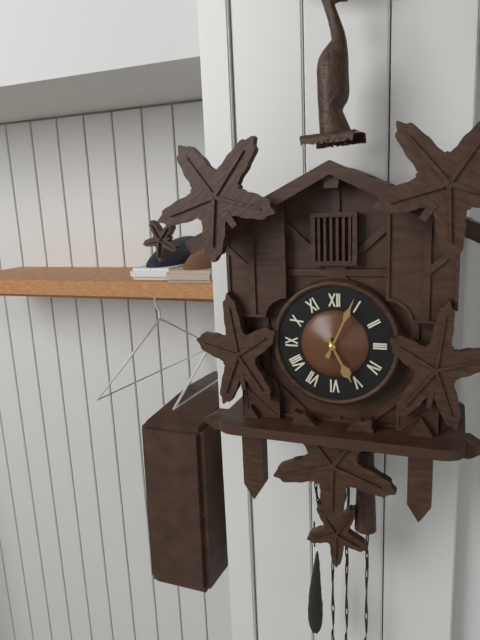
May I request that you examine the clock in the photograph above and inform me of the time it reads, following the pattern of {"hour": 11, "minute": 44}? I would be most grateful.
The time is {"hour": 5, "minute": 4}
